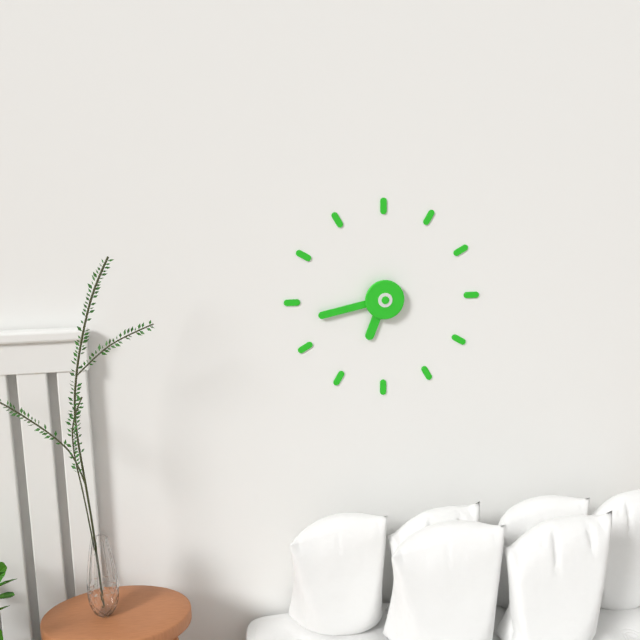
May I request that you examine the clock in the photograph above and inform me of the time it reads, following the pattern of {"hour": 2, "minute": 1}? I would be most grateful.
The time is {"hour": 6, "minute": 43}
